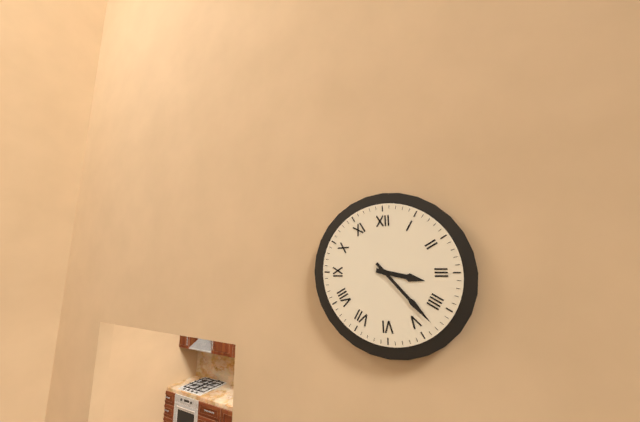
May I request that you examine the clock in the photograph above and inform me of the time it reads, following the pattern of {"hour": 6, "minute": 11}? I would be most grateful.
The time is {"hour": 3, "minute": 23}
